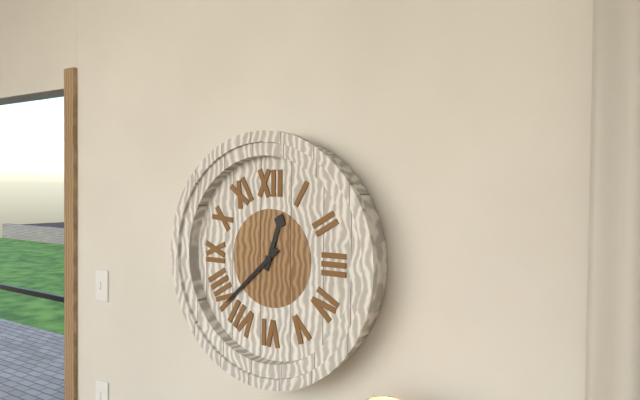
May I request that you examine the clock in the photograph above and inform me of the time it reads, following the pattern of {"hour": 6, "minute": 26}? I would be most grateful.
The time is {"hour": 12, "minute": 38}
